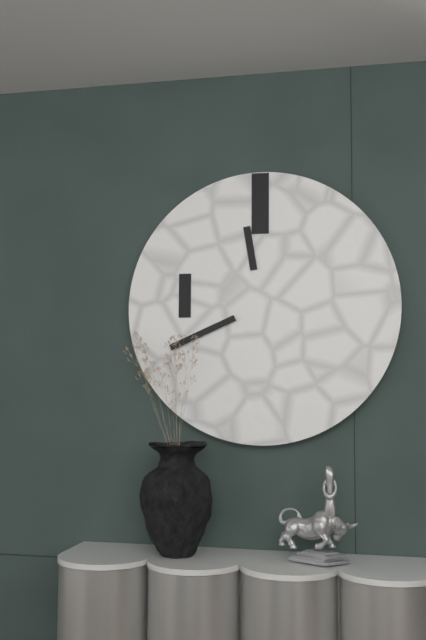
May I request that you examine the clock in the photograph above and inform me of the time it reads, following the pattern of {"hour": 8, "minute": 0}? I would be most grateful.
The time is {"hour": 11, "minute": 41}
